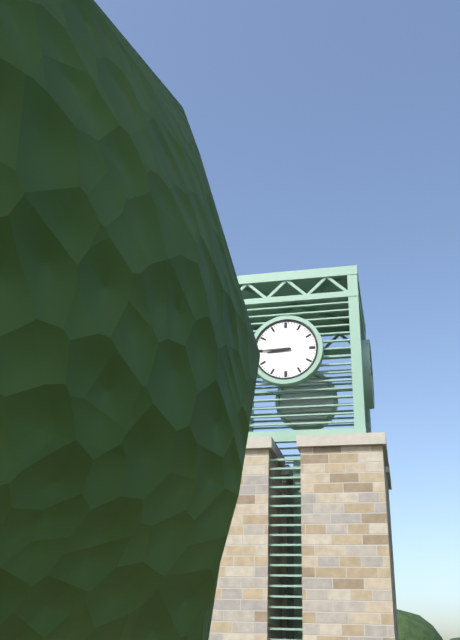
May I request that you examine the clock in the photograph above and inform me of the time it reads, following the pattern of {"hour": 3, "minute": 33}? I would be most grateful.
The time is {"hour": 8, "minute": 45}
